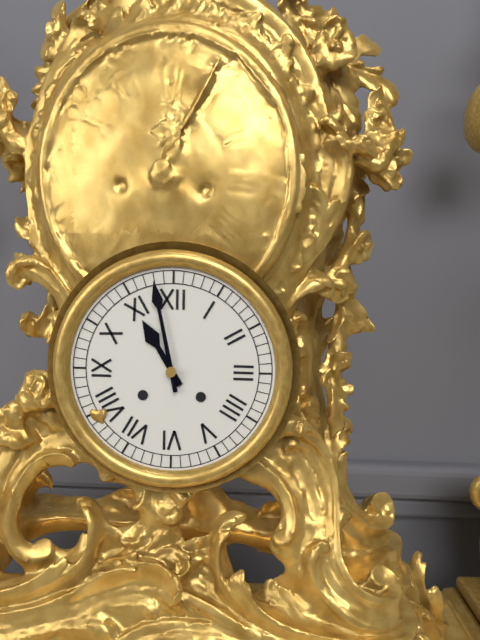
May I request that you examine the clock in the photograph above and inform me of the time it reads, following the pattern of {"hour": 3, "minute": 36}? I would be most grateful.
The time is {"hour": 10, "minute": 58}
